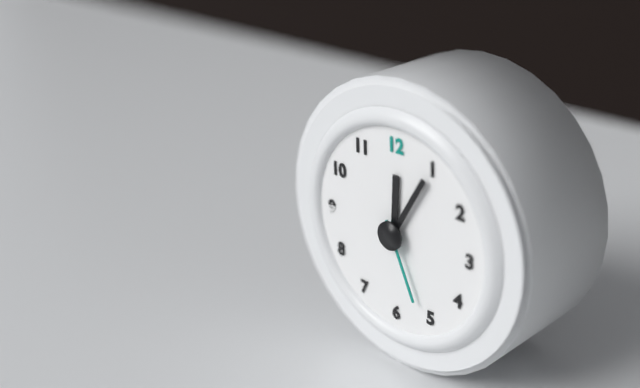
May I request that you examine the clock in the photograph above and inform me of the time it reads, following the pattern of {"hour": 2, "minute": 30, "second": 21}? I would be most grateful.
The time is {"hour": 12, "minute": 5, "second": 26}
